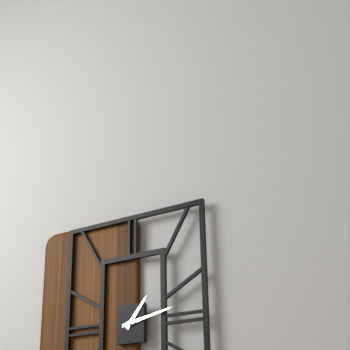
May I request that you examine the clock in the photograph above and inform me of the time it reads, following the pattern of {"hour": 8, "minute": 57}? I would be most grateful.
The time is {"hour": 1, "minute": 13}
